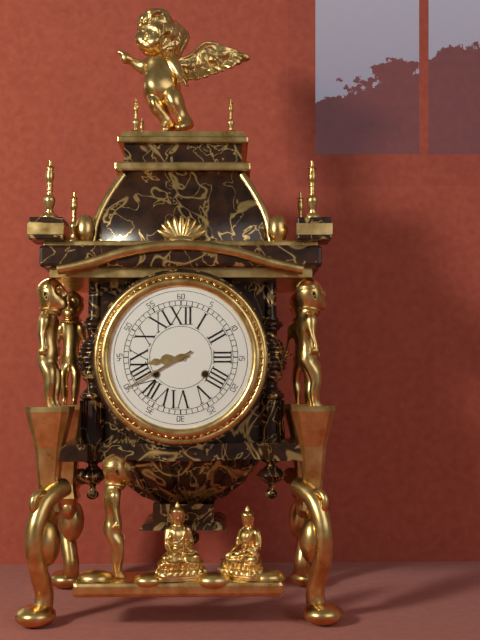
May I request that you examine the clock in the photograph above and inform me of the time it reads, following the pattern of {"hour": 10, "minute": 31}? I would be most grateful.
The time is {"hour": 8, "minute": 40}
